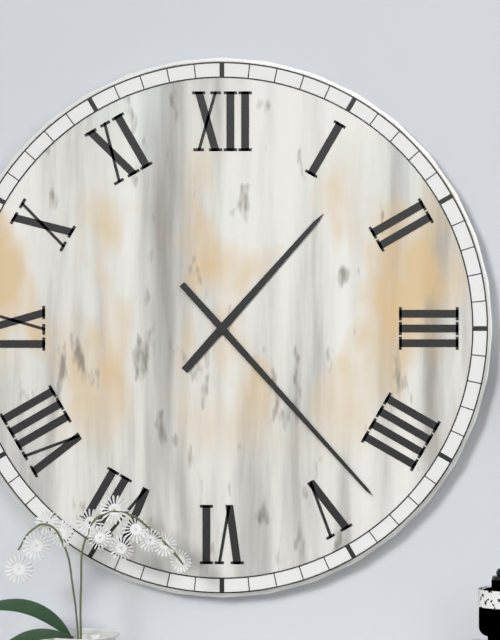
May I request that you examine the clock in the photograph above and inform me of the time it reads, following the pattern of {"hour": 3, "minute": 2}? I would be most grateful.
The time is {"hour": 1, "minute": 23}
